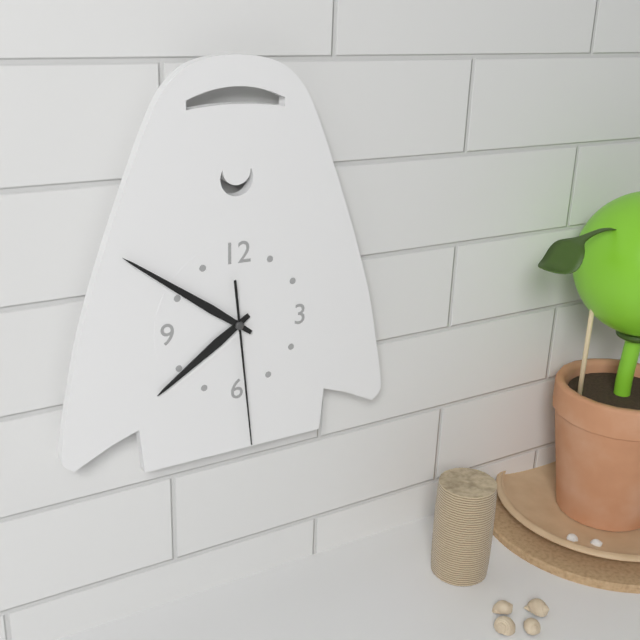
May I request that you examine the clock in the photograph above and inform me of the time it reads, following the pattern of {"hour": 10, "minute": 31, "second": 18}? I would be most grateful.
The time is {"hour": 7, "minute": 51, "second": 29}
